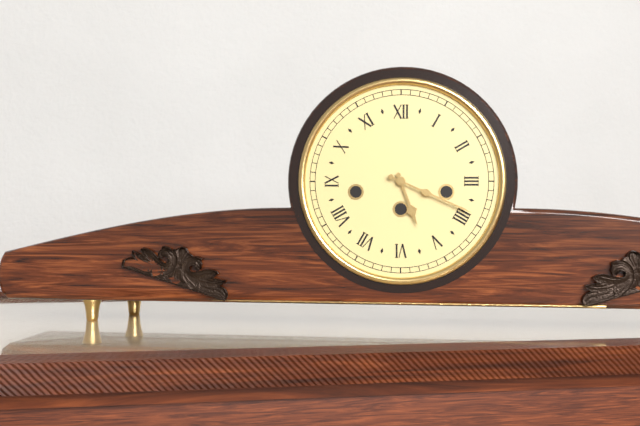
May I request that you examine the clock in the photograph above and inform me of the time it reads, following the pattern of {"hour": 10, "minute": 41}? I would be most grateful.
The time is {"hour": 5, "minute": 19}
